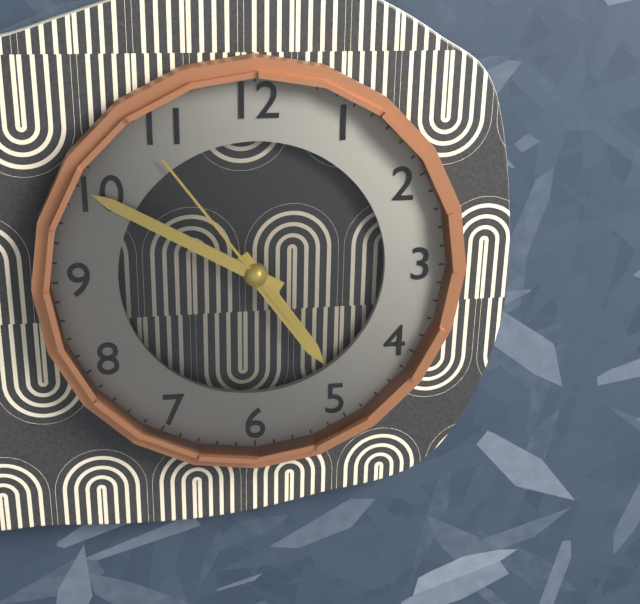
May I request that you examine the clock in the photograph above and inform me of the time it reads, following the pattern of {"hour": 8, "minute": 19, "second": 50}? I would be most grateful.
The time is {"hour": 4, "minute": 50, "second": 54}
